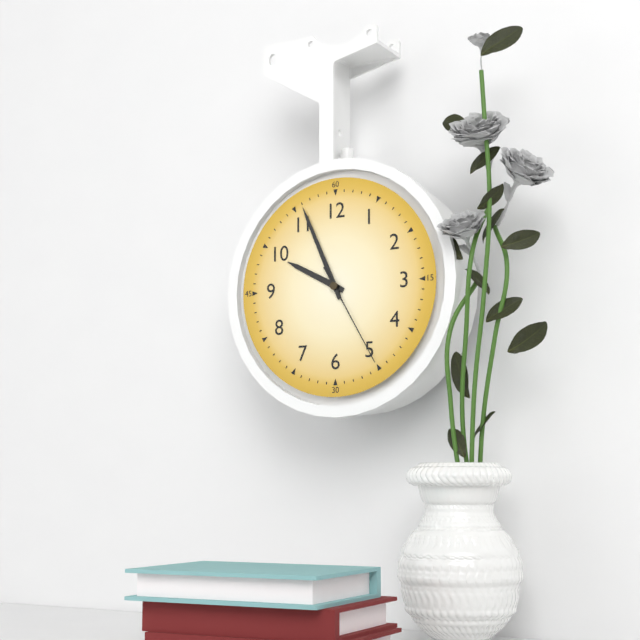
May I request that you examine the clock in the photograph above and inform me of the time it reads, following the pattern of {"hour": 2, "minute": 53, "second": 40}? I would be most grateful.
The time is {"hour": 9, "minute": 56, "second": 25}
